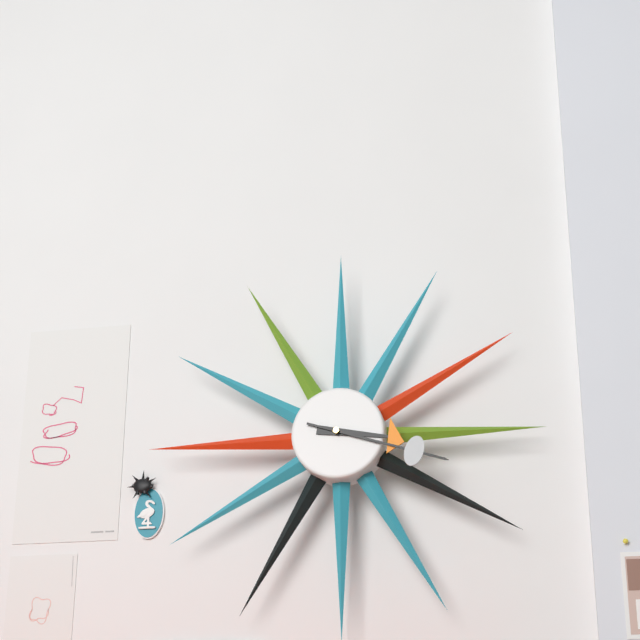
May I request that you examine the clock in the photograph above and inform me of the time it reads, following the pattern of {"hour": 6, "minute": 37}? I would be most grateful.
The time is {"hour": 3, "minute": 18}
